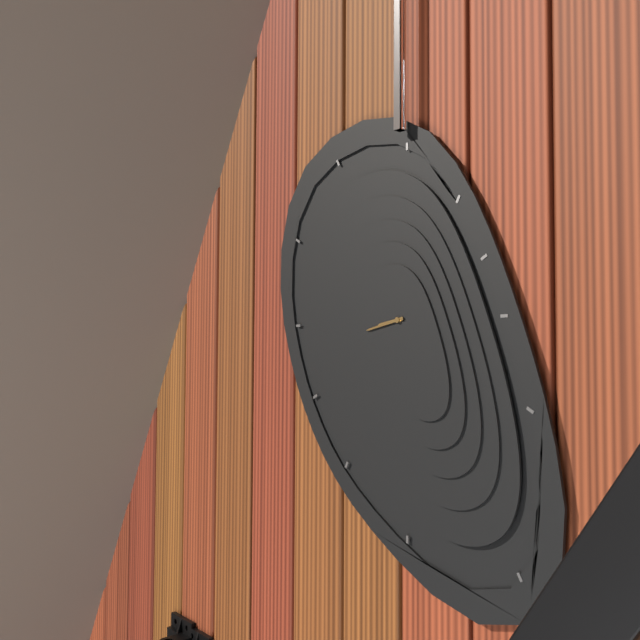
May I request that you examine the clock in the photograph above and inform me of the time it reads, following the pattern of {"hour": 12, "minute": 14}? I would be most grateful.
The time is {"hour": 8, "minute": 43}
